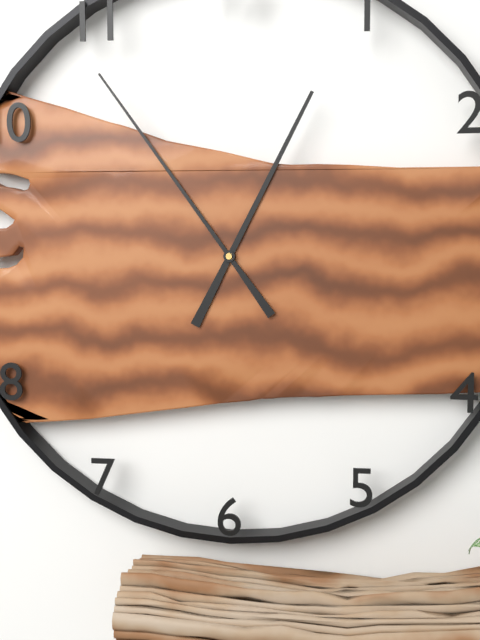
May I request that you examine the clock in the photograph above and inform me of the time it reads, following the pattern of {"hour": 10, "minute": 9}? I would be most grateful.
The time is {"hour": 12, "minute": 54}
